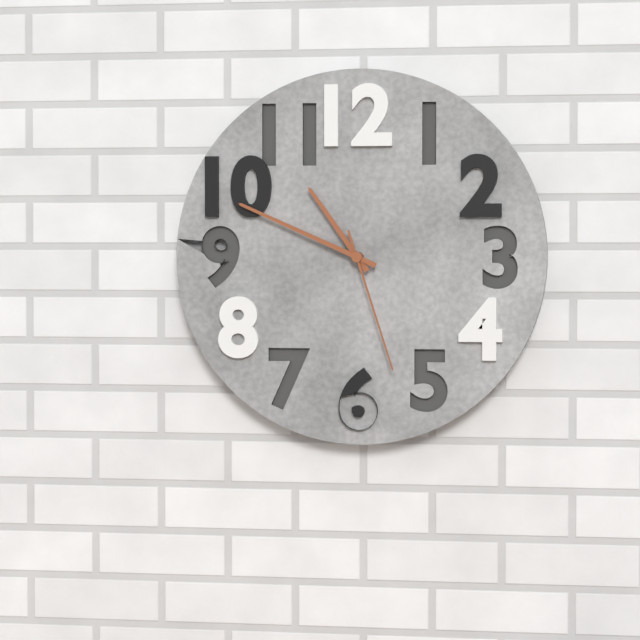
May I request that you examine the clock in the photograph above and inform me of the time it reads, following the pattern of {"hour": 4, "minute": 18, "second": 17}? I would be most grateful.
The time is {"hour": 10, "minute": 49, "second": 27}
